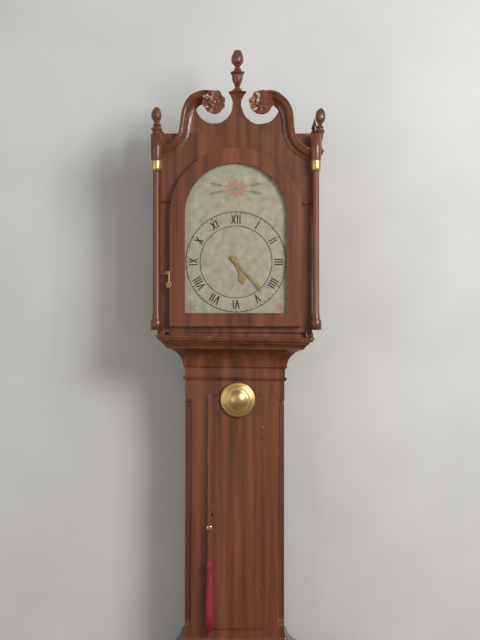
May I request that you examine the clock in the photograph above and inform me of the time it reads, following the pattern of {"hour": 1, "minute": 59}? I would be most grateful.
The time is {"hour": 5, "minute": 23}
